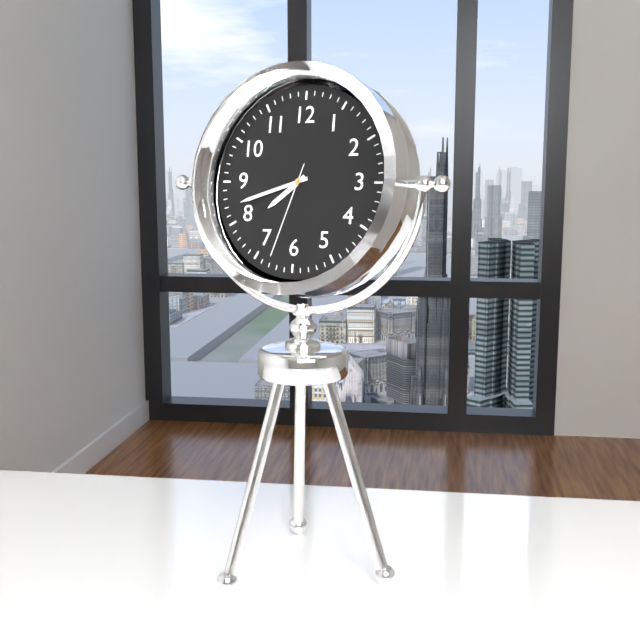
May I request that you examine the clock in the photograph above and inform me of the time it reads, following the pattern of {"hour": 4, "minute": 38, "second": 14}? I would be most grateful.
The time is {"hour": 7, "minute": 42, "second": 33}
